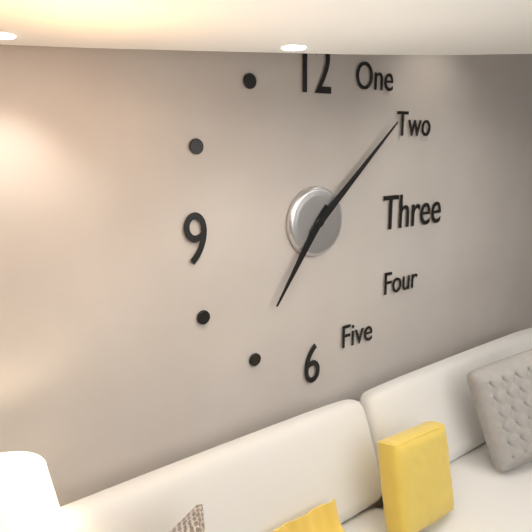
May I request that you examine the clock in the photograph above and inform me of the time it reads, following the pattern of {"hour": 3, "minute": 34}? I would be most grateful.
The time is {"hour": 7, "minute": 8}
